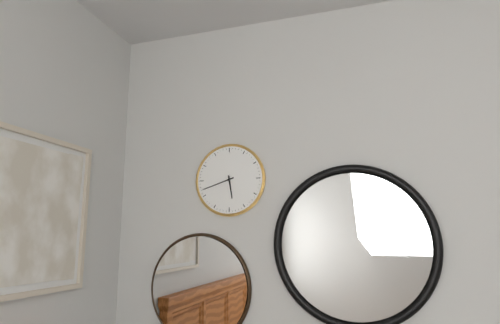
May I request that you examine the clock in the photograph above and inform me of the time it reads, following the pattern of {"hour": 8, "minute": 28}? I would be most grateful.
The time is {"hour": 5, "minute": 42}
